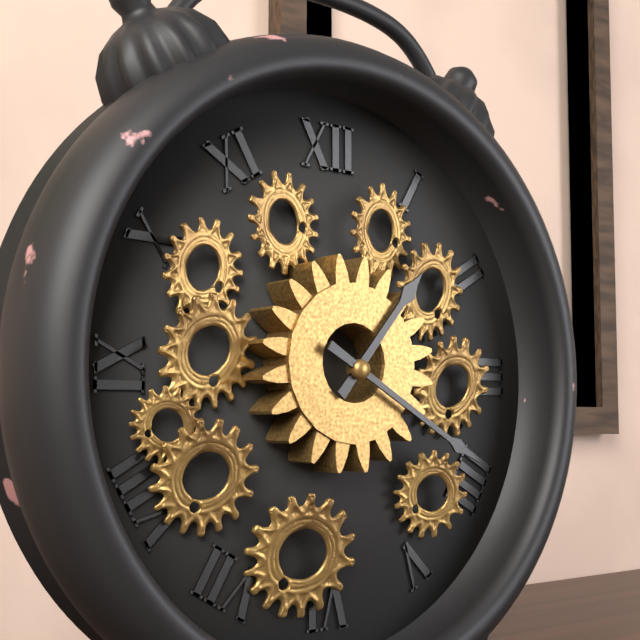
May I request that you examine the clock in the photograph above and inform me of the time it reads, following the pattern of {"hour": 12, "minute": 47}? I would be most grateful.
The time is {"hour": 1, "minute": 20}
